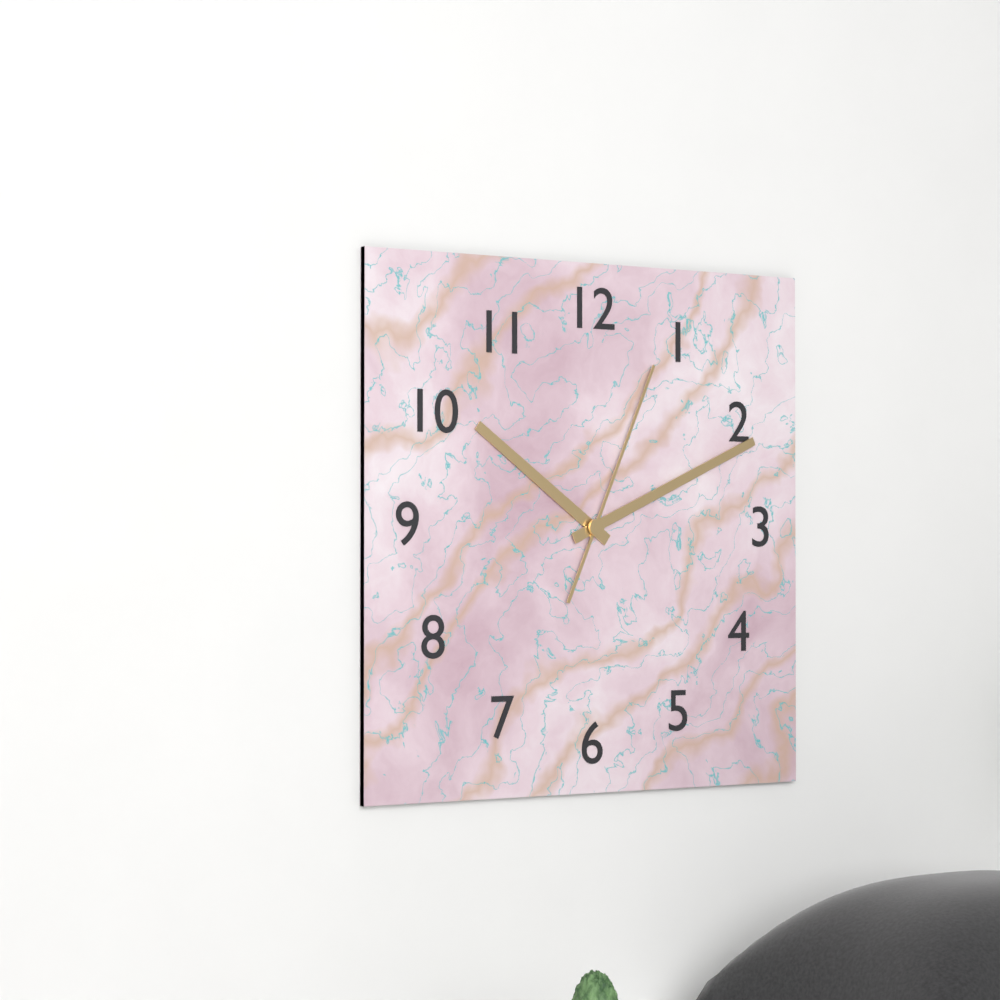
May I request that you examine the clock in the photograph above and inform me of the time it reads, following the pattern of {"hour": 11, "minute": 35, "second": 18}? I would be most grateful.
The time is {"hour": 10, "minute": 11, "second": 4}
